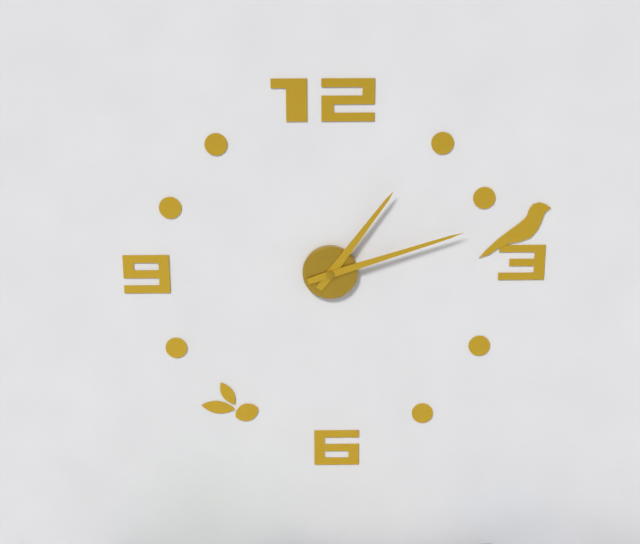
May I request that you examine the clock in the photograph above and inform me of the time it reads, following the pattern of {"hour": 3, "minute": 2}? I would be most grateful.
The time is {"hour": 1, "minute": 12}
